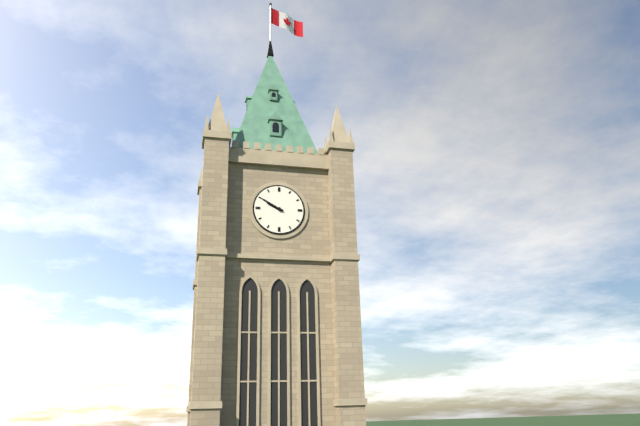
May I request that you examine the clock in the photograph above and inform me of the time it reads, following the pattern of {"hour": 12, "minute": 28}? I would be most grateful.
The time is {"hour": 9, "minute": 50}
